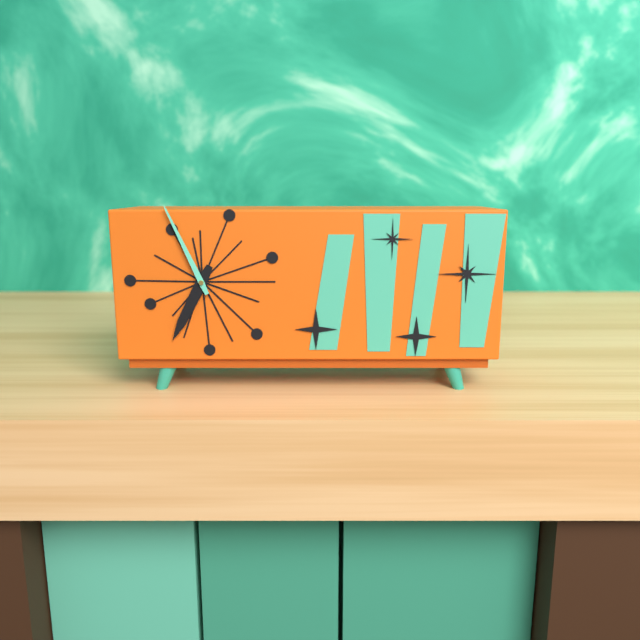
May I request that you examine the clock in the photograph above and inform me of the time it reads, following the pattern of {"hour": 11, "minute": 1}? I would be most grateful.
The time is {"hour": 6, "minute": 56}
